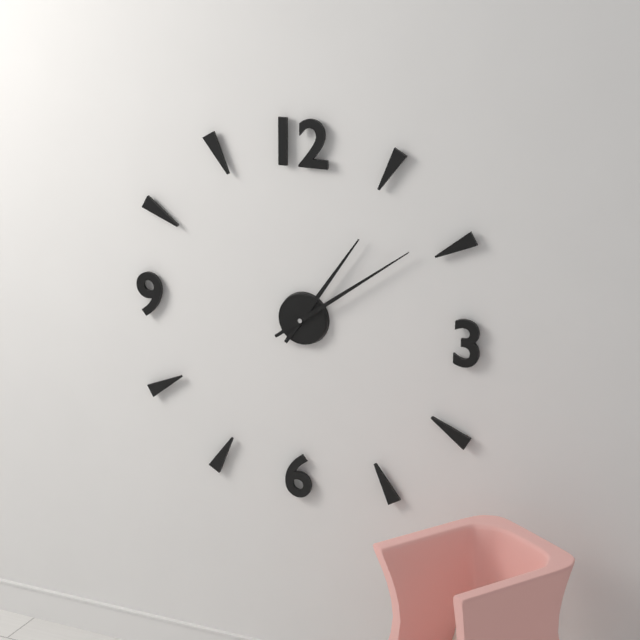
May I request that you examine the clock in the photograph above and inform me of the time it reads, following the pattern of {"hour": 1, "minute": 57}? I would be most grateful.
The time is {"hour": 1, "minute": 9}
